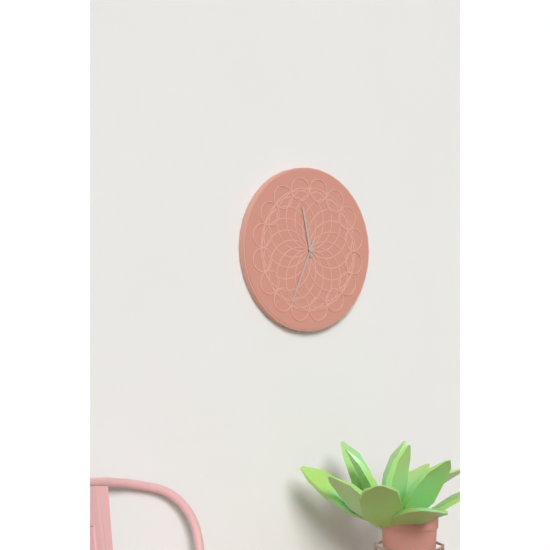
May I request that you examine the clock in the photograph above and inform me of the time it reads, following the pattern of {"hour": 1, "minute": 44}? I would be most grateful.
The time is {"hour": 11, "minute": 34}
